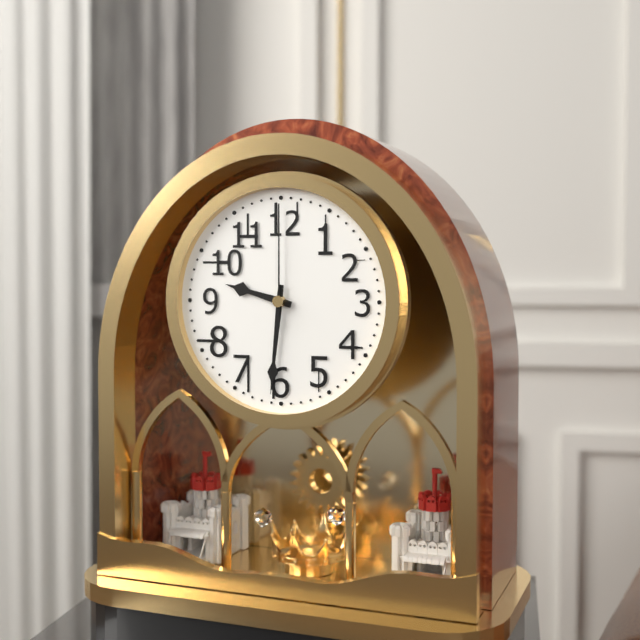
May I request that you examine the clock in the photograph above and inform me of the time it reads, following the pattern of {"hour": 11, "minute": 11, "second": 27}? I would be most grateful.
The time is {"hour": 9, "minute": 31, "second": 0}
